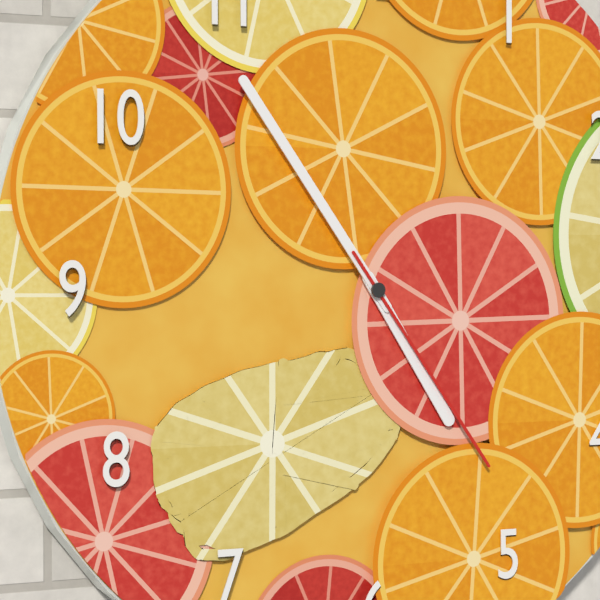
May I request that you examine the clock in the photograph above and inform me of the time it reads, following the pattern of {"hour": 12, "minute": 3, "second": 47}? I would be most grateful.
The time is {"hour": 4, "minute": 54, "second": 24}
